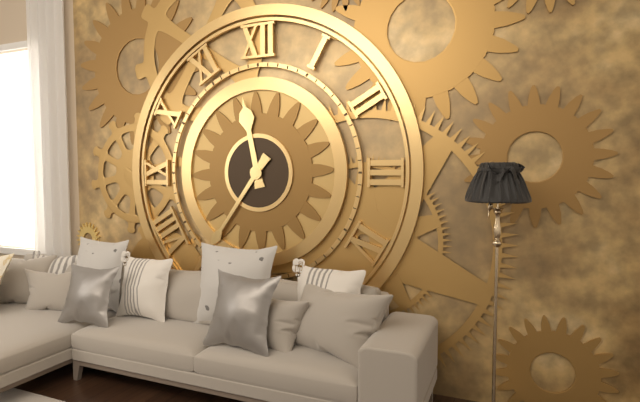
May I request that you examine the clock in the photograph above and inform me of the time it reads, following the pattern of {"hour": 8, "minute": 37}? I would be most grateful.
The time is {"hour": 11, "minute": 36}
